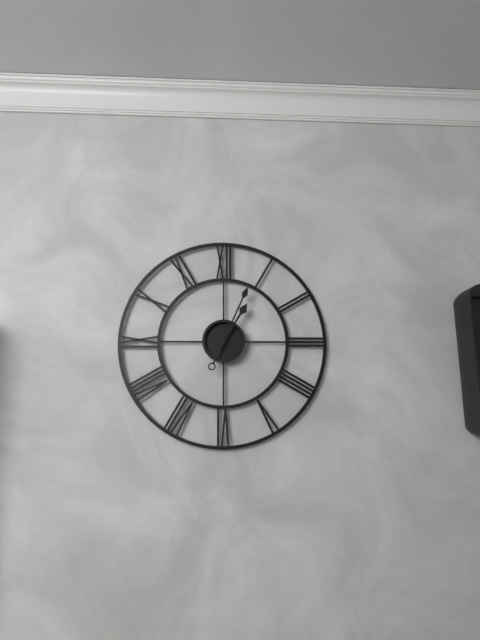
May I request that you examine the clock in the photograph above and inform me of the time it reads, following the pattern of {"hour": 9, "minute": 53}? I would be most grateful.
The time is {"hour": 1, "minute": 4}
